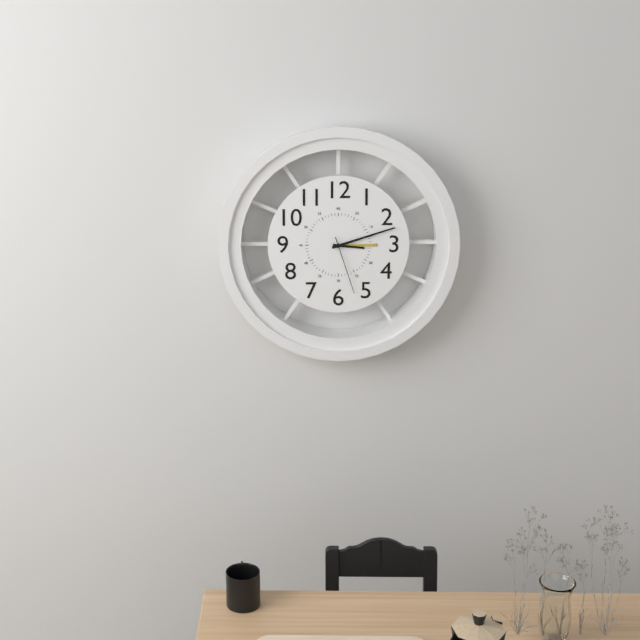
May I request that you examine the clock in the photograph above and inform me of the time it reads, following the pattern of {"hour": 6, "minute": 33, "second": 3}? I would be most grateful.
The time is {"hour": 3, "minute": 12, "second": 27}
